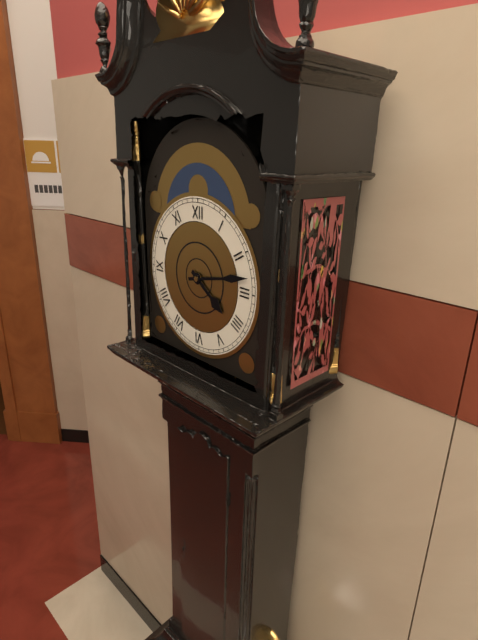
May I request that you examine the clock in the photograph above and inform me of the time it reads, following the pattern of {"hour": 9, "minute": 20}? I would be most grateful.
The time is {"hour": 4, "minute": 13}
